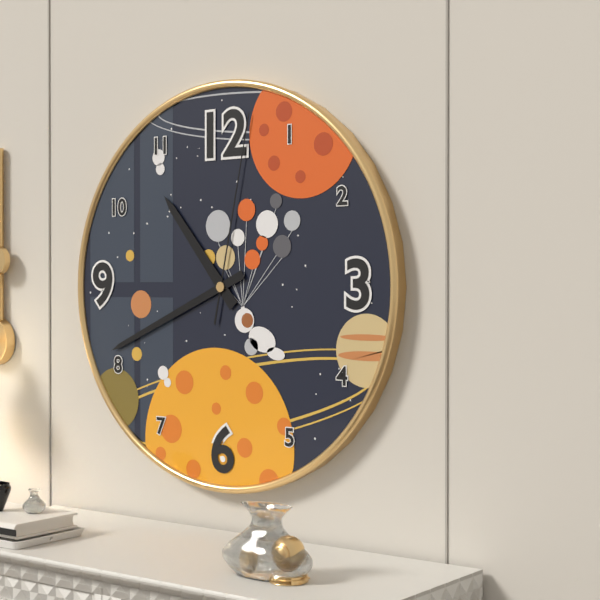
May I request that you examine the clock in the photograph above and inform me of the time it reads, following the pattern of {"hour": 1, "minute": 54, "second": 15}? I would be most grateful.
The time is {"hour": 10, "minute": 41, "second": 2}
